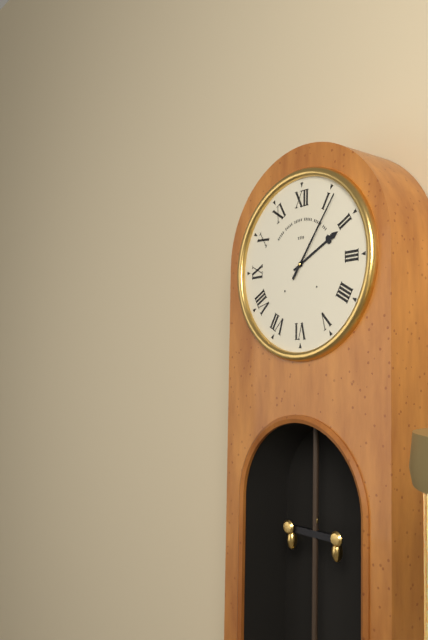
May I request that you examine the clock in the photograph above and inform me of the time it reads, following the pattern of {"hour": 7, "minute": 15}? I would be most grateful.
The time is {"hour": 2, "minute": 6}
